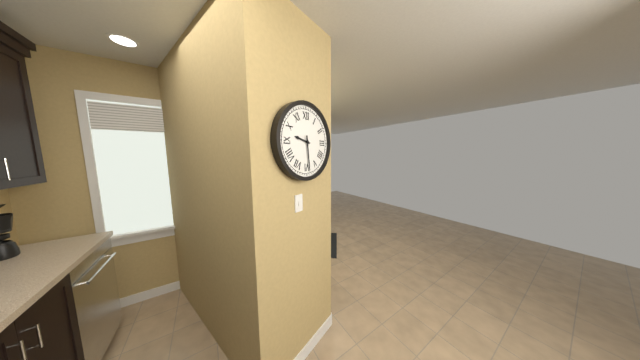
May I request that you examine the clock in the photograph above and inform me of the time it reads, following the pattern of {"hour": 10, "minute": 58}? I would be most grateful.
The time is {"hour": 9, "minute": 29}
